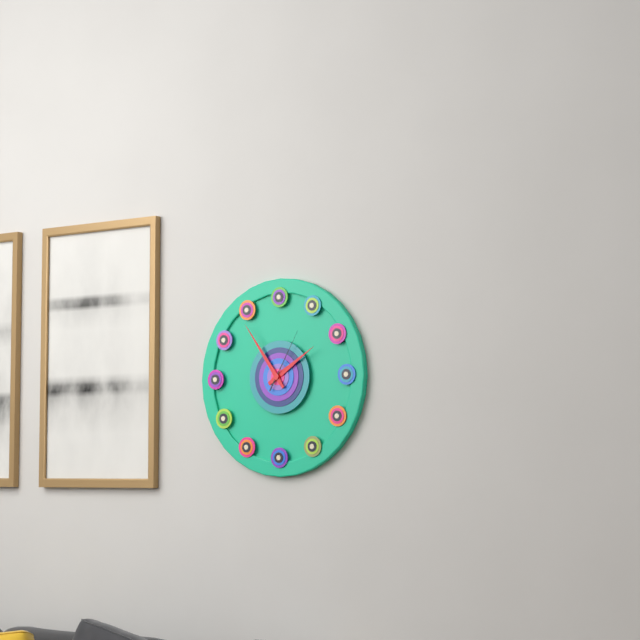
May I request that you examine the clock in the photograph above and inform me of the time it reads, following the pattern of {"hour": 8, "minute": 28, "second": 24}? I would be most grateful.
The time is {"hour": 1, "minute": 54, "second": 5}
